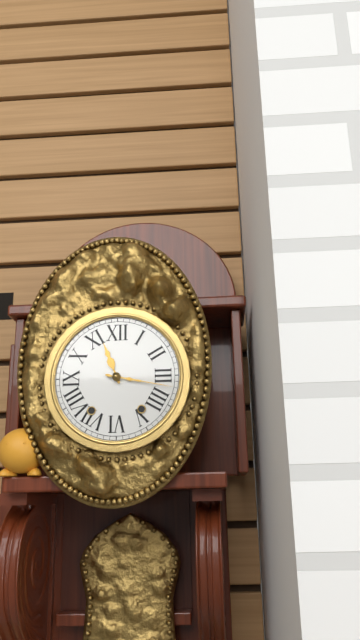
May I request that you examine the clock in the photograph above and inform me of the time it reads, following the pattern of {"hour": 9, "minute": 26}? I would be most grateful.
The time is {"hour": 11, "minute": 17}
